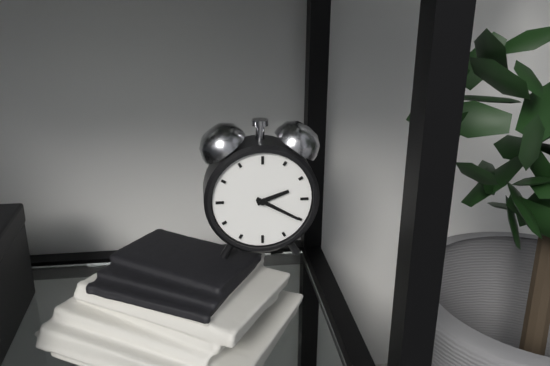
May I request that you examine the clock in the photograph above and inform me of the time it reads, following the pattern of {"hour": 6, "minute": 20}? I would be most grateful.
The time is {"hour": 2, "minute": 20}
